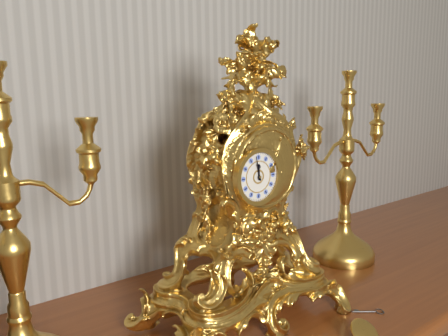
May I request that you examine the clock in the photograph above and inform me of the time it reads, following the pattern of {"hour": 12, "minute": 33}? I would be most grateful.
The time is {"hour": 11, "minute": 58}
